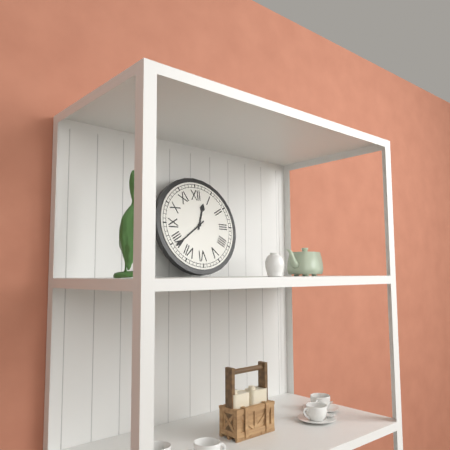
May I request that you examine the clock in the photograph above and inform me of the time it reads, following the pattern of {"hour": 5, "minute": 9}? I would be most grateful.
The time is {"hour": 12, "minute": 39}
